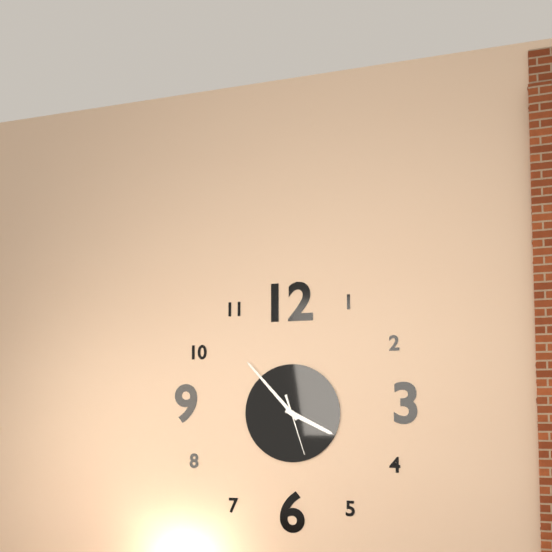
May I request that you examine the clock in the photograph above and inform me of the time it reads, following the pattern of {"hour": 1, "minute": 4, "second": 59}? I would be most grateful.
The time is {"hour": 3, "minute": 53, "second": 27}
